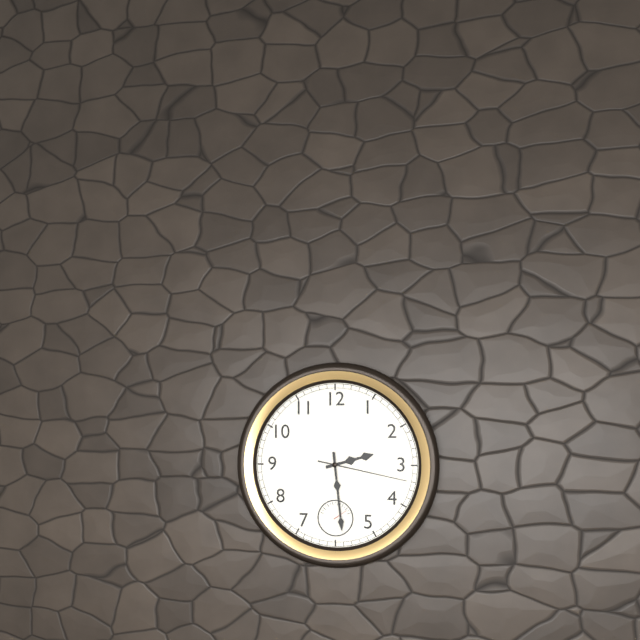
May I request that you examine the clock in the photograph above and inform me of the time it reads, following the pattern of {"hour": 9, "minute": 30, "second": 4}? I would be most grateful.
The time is {"hour": 2, "minute": 29, "second": 17}
